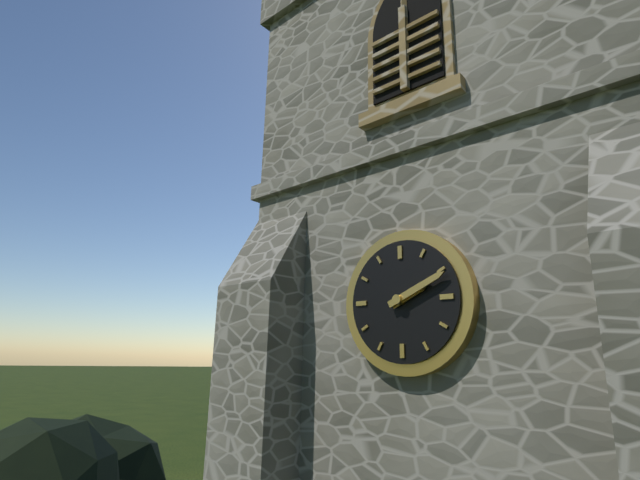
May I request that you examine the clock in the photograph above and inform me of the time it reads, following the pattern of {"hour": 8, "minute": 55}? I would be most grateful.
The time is {"hour": 2, "minute": 11}
